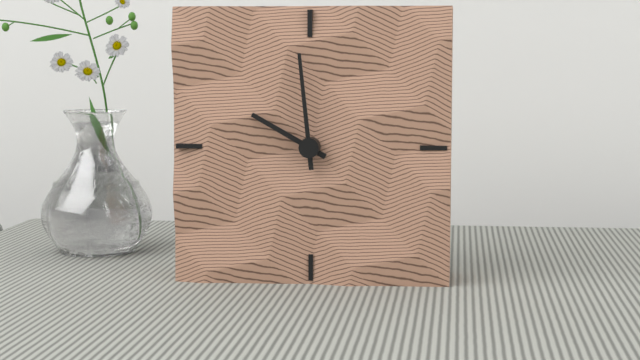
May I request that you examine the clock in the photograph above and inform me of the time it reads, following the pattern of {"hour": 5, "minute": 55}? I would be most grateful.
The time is {"hour": 9, "minute": 59}
